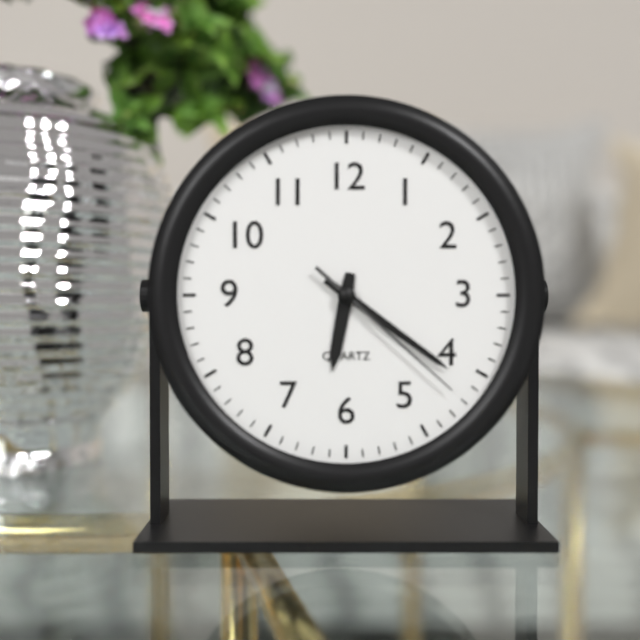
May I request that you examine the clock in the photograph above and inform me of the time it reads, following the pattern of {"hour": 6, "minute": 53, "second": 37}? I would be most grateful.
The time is {"hour": 6, "minute": 21, "second": 22}
